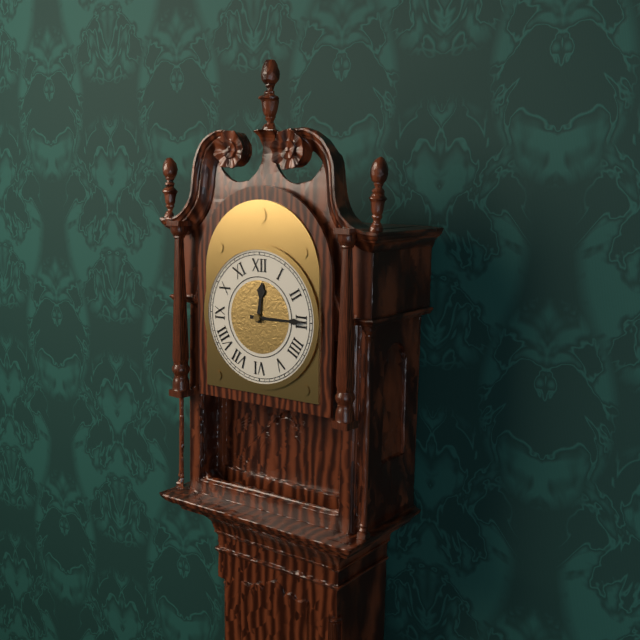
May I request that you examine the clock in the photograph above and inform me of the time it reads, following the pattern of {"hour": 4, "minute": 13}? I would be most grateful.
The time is {"hour": 12, "minute": 15}
